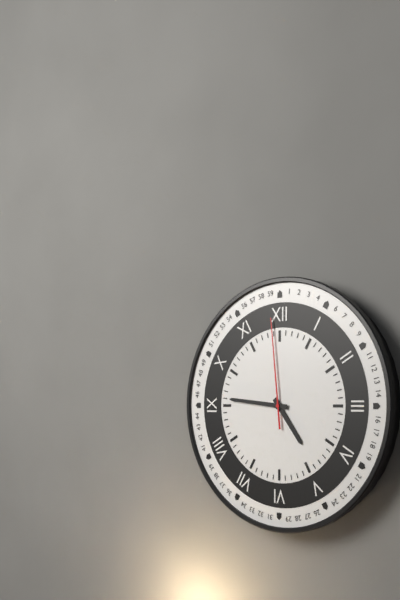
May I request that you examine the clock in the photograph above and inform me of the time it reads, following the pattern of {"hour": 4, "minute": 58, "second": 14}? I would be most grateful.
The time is {"hour": 4, "minute": 46, "second": 59}
